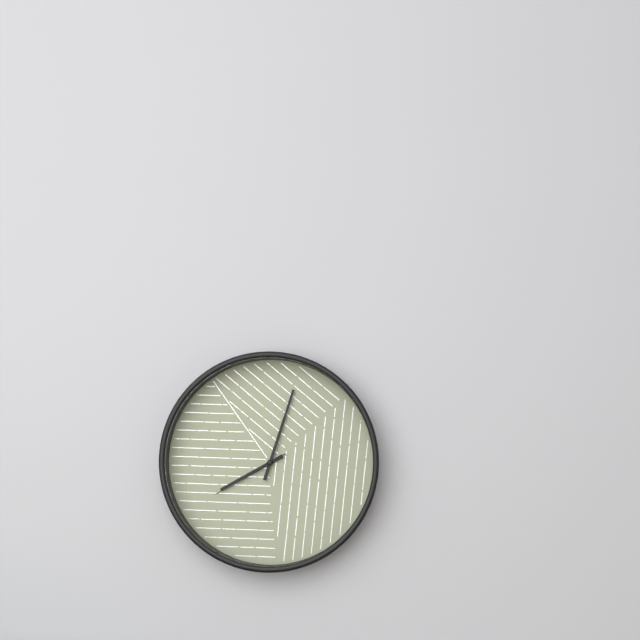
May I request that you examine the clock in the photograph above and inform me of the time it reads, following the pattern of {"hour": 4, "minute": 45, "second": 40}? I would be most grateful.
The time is {"hour": 8, "minute": 3, "second": 40}
